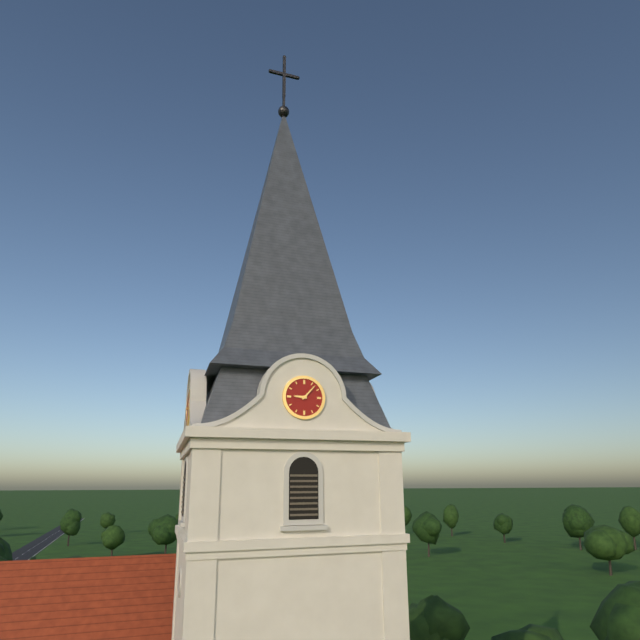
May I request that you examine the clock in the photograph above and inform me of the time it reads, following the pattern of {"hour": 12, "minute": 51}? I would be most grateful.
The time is {"hour": 9, "minute": 7}
